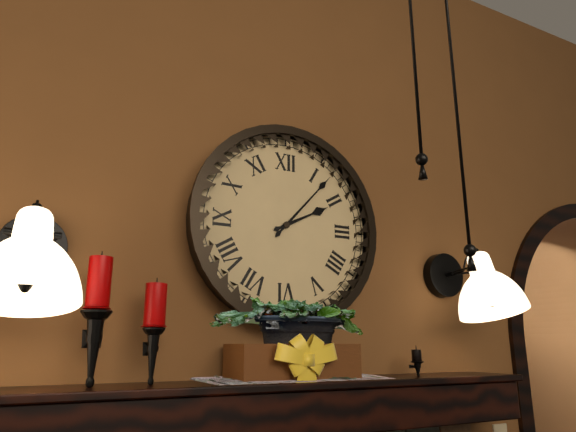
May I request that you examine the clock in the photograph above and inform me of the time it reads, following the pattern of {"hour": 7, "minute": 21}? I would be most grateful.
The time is {"hour": 2, "minute": 7}
